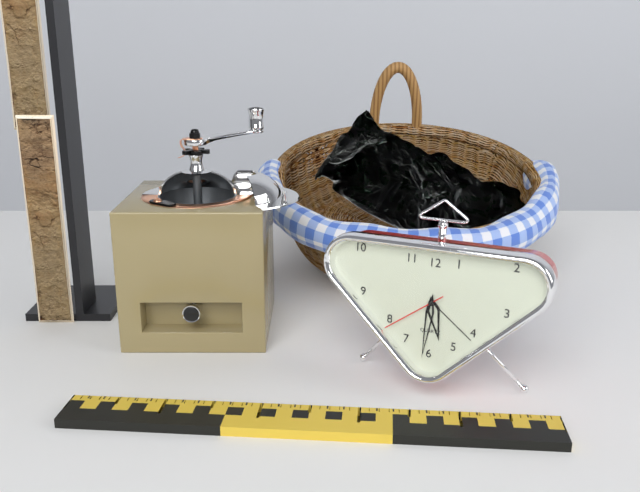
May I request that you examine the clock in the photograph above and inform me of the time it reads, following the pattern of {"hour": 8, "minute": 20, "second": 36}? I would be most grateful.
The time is {"hour": 5, "minute": 31, "second": 39}
